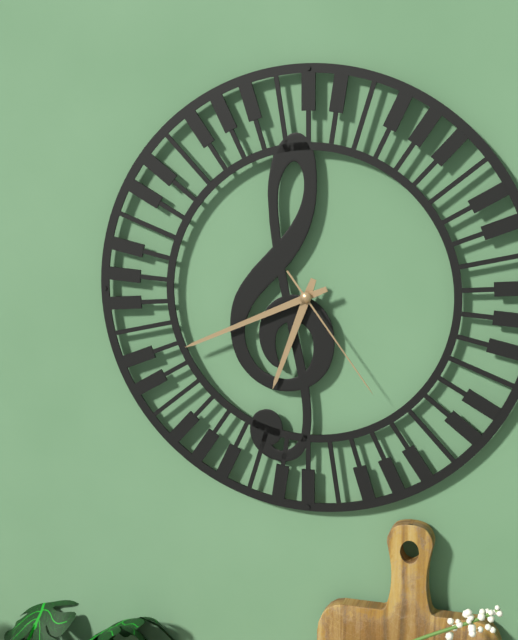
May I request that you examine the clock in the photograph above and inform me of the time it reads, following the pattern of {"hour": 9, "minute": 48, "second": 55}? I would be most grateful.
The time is {"hour": 6, "minute": 41, "second": 24}
